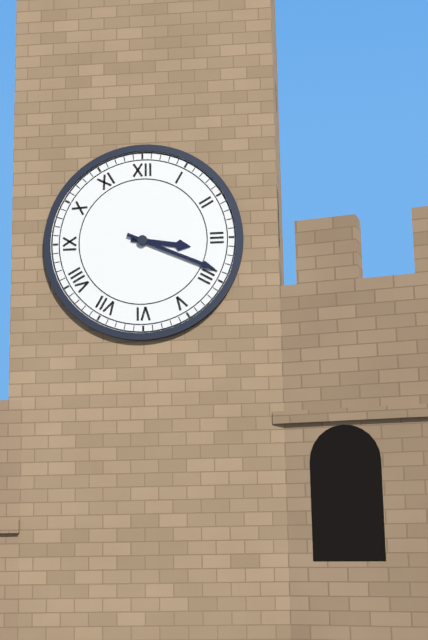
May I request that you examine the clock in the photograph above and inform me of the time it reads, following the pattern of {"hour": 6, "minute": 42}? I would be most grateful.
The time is {"hour": 3, "minute": 19}
